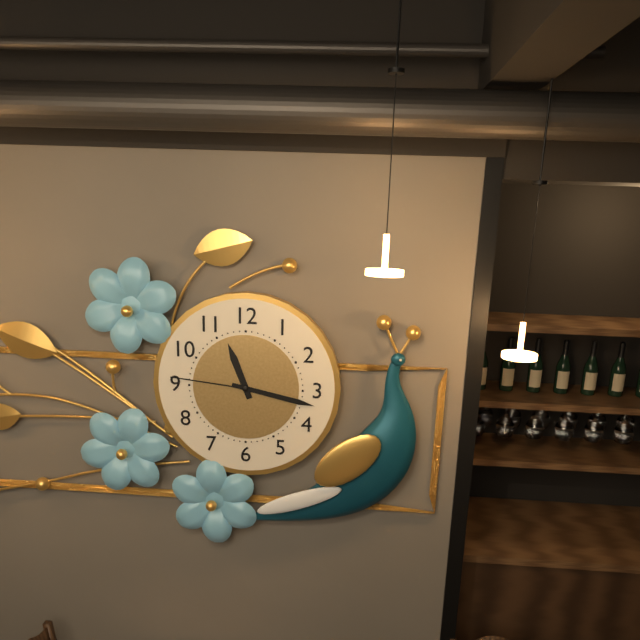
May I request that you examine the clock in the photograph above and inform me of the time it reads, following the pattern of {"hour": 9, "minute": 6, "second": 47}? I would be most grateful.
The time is {"hour": 11, "minute": 17, "second": 46}
